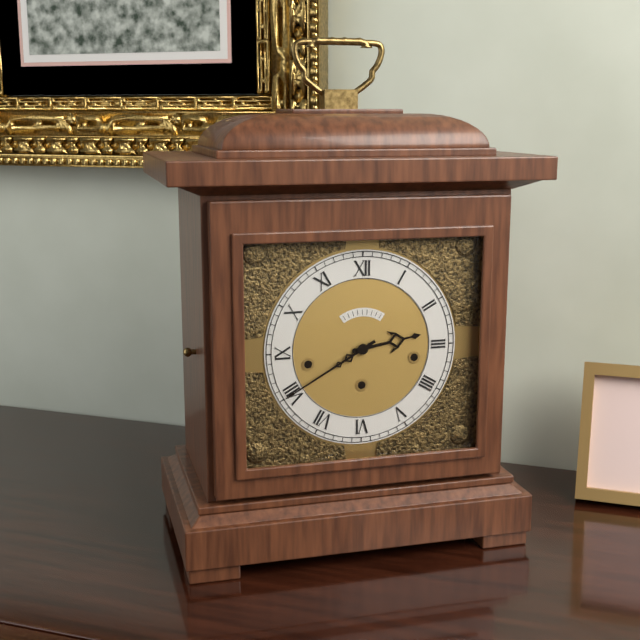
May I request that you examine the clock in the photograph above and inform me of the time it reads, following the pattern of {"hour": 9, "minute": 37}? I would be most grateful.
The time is {"hour": 2, "minute": 40}
